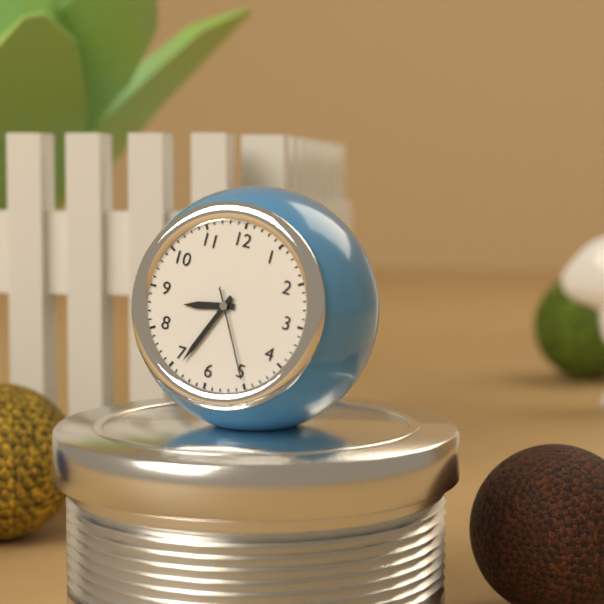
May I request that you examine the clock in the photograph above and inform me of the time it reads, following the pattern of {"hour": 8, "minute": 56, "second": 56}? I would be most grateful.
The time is {"hour": 8, "minute": 34, "second": 25}
